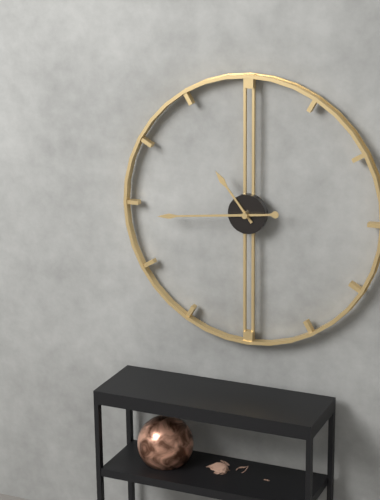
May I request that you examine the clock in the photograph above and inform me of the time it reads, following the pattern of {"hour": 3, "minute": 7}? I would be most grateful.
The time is {"hour": 10, "minute": 44}
